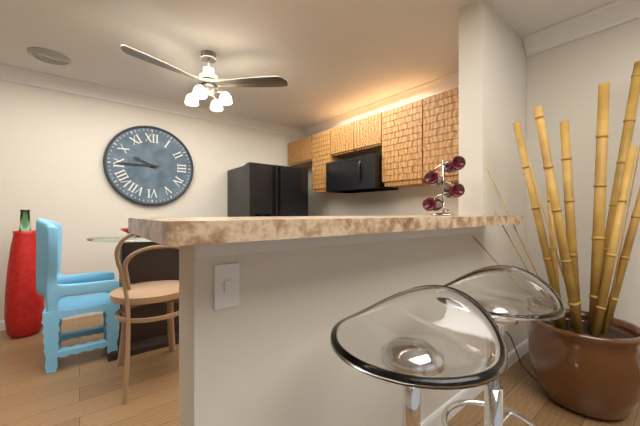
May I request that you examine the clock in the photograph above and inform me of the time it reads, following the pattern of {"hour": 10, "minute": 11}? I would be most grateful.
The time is {"hour": 9, "minute": 45}
